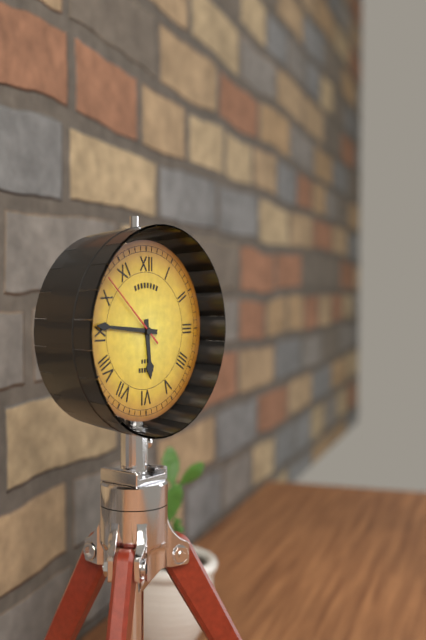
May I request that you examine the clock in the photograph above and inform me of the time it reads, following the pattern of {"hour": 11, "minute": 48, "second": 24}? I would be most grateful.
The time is {"hour": 5, "minute": 46, "second": 52}
